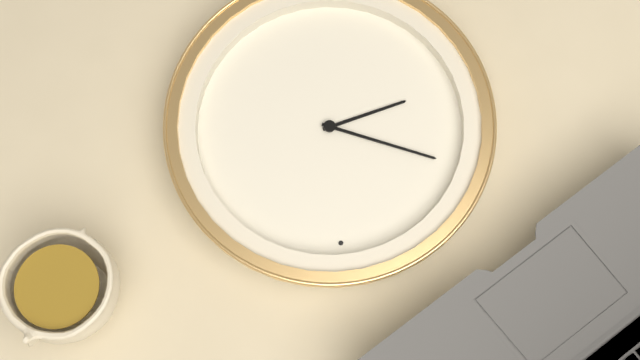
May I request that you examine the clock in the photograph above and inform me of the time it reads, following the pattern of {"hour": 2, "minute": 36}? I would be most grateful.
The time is {"hour": 7, "minute": 45}
